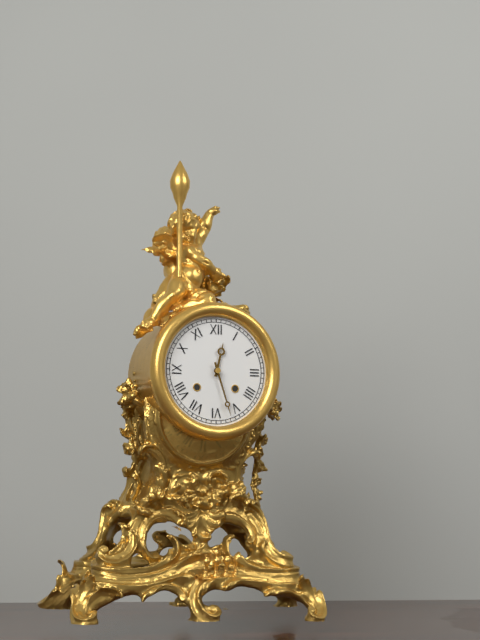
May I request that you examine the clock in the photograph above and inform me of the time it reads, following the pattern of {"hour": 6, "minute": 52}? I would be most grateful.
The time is {"hour": 12, "minute": 27}
